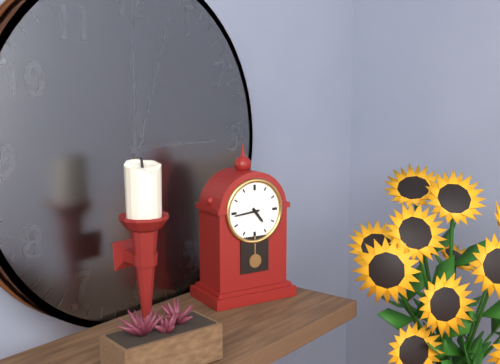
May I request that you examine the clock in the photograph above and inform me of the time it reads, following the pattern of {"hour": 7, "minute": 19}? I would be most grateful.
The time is {"hour": 4, "minute": 44}
